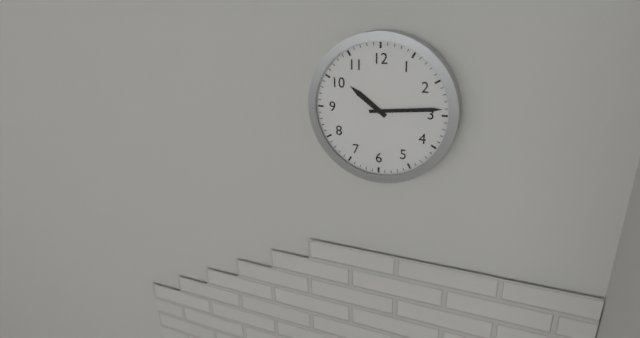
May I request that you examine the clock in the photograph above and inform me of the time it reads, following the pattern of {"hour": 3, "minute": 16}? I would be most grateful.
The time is {"hour": 10, "minute": 14}
